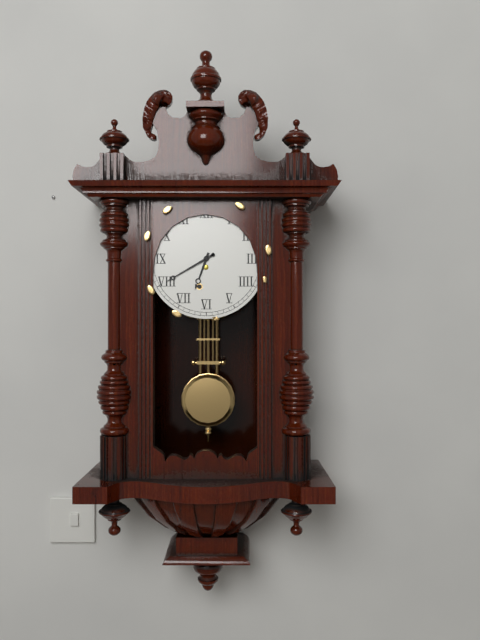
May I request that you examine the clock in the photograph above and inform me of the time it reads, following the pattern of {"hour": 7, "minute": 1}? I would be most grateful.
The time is {"hour": 6, "minute": 40}
